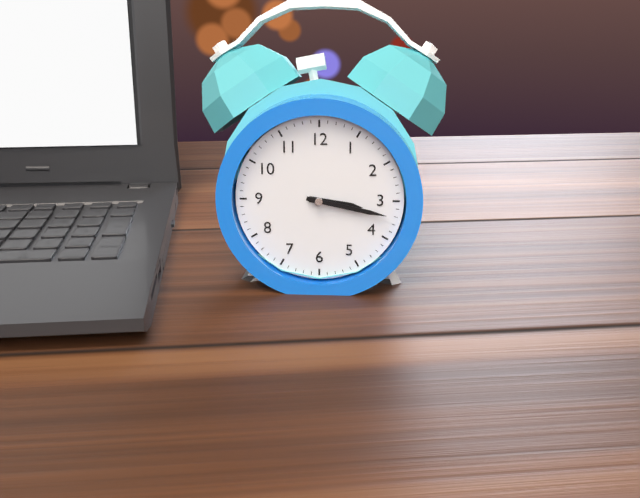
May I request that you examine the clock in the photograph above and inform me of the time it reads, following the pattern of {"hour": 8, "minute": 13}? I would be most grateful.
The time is {"hour": 3, "minute": 17}
